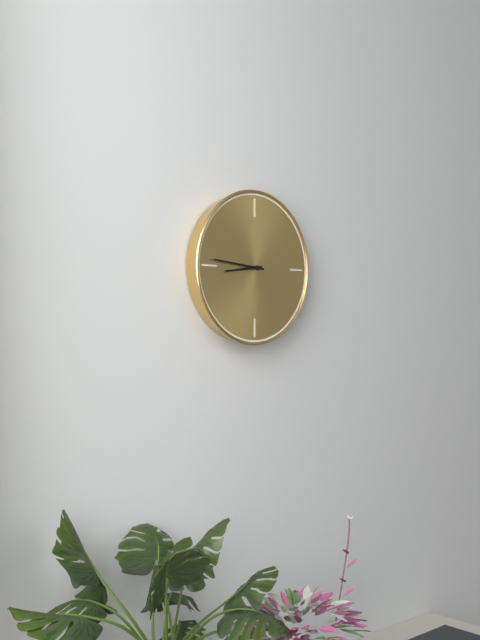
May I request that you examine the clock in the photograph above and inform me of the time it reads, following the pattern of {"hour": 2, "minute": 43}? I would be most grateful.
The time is {"hour": 8, "minute": 46}
